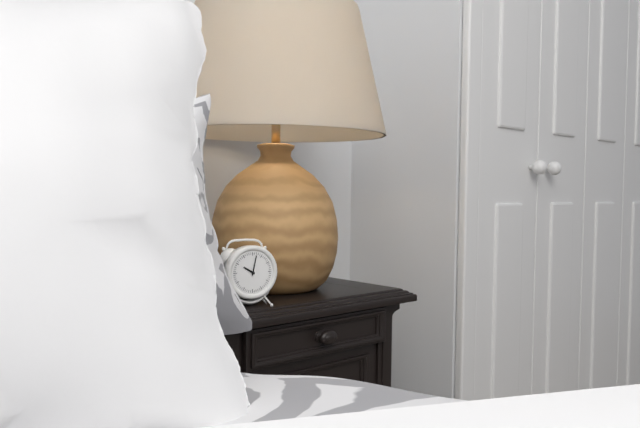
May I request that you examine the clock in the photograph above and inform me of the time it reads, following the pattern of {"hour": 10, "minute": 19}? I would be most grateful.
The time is {"hour": 10, "minute": 2}
